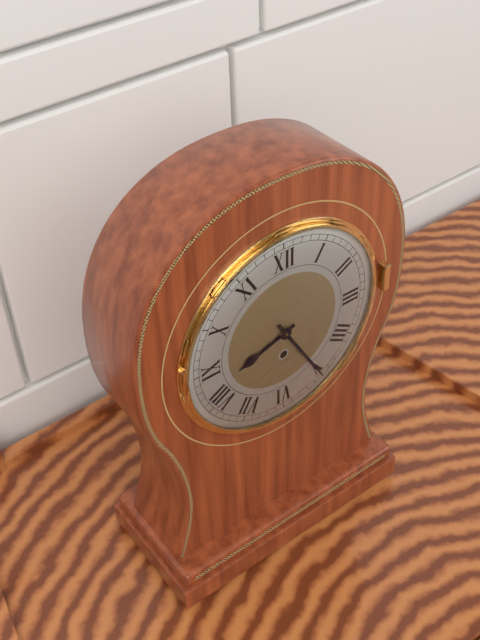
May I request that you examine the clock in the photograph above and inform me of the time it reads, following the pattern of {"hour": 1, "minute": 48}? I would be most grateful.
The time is {"hour": 8, "minute": 25}
